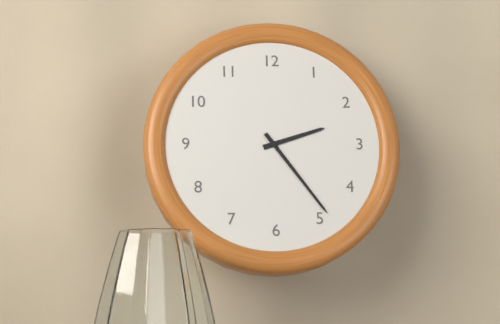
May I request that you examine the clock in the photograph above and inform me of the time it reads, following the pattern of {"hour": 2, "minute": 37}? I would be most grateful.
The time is {"hour": 2, "minute": 24}
